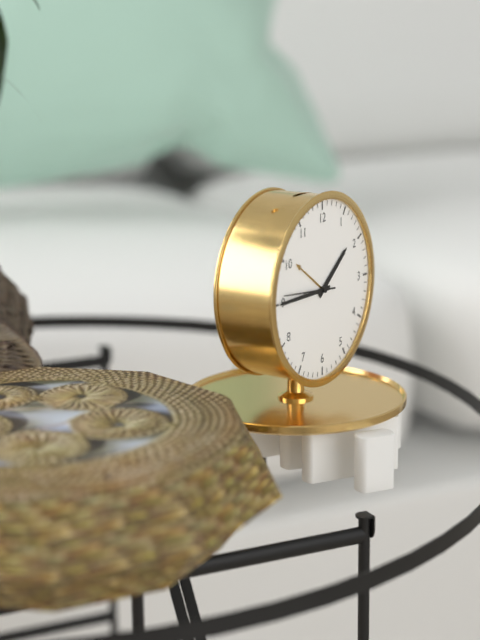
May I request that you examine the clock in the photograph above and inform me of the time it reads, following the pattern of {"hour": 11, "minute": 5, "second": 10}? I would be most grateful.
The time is {"hour": 1, "minute": 45, "second": 46}
